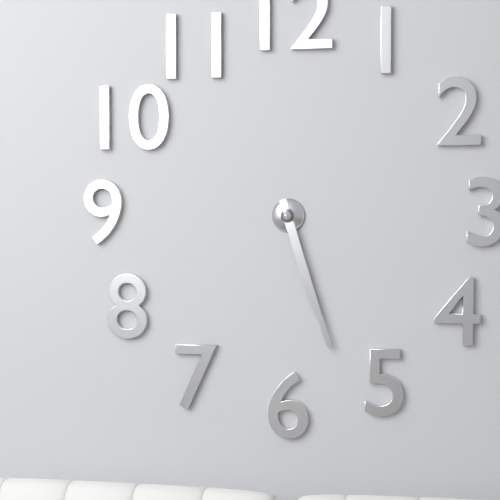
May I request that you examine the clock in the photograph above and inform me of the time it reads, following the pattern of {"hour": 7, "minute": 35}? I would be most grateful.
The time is {"hour": 5, "minute": 27}
